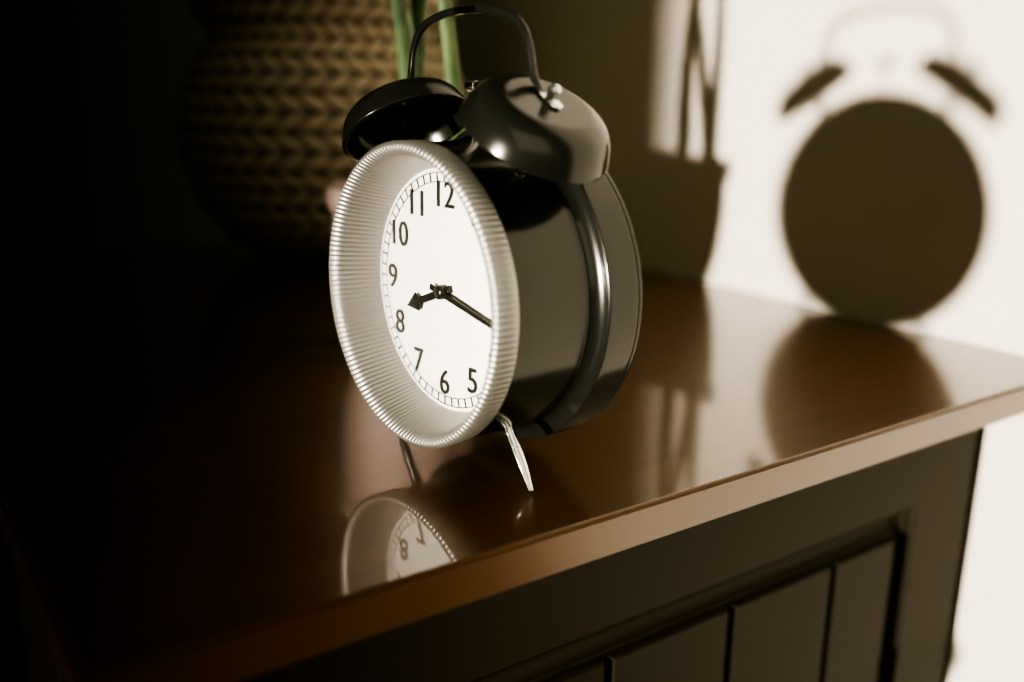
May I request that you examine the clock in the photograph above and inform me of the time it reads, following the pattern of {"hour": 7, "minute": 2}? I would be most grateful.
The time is {"hour": 8, "minute": 17}
